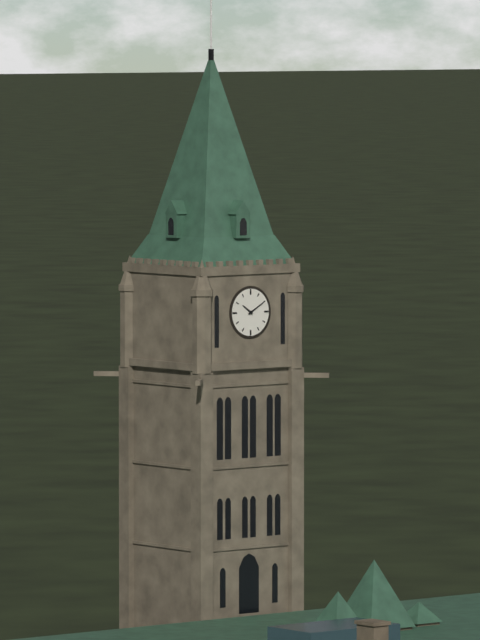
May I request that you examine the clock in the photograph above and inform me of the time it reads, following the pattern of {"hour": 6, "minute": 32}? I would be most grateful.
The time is {"hour": 10, "minute": 10}
